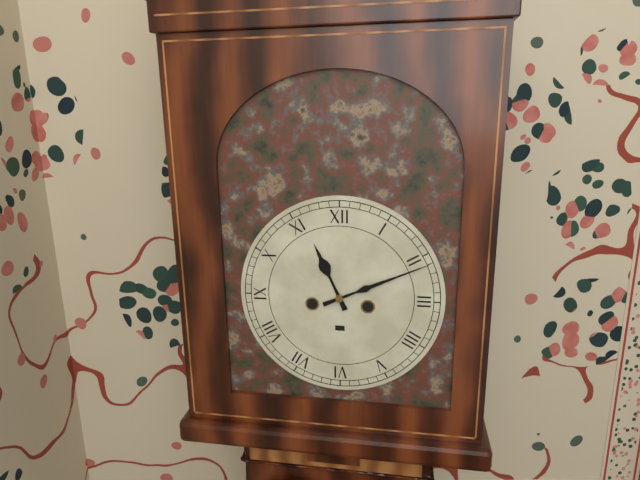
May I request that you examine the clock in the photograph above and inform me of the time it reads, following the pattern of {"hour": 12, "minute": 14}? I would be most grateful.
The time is {"hour": 11, "minute": 11}
